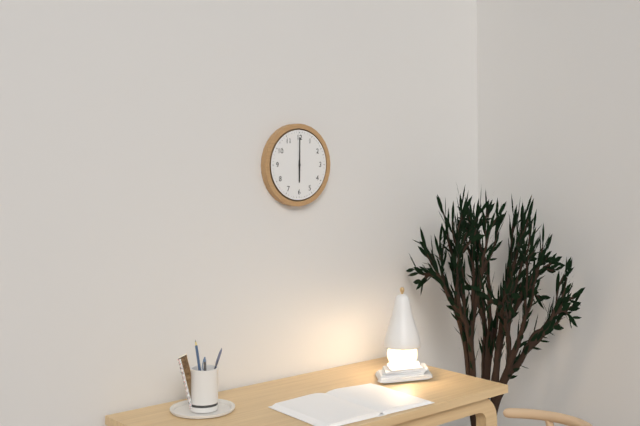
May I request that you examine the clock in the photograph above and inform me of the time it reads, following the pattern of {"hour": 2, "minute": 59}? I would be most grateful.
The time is {"hour": 6, "minute": 0}
